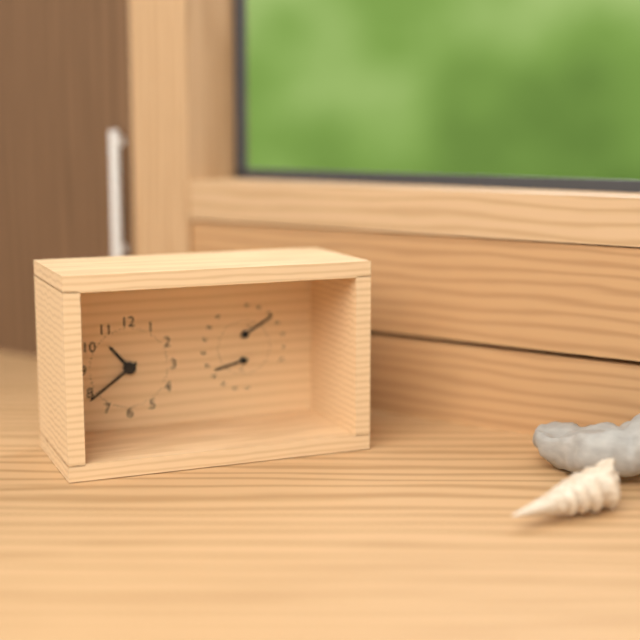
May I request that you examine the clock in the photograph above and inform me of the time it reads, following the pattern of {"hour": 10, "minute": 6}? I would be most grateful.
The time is {"hour": 10, "minute": 39}
